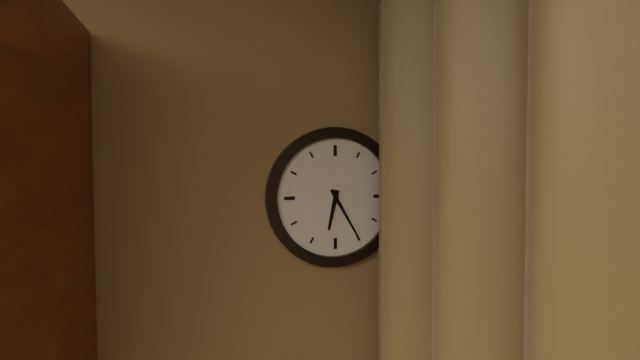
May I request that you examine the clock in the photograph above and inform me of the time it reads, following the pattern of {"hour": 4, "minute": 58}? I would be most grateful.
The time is {"hour": 6, "minute": 25}
